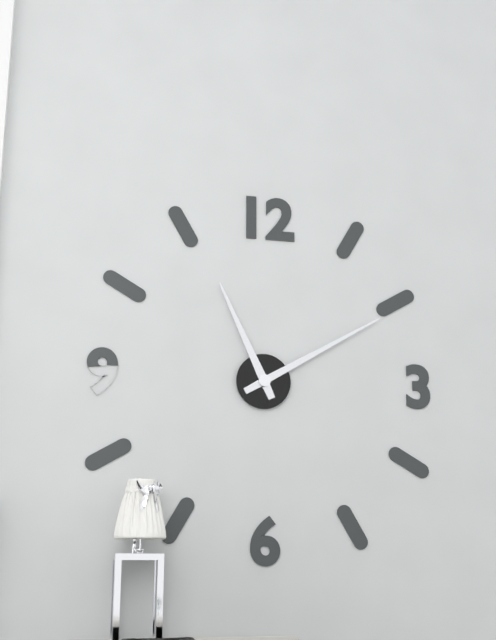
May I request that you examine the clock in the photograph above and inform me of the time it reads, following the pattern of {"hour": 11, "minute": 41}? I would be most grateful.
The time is {"hour": 11, "minute": 10}
